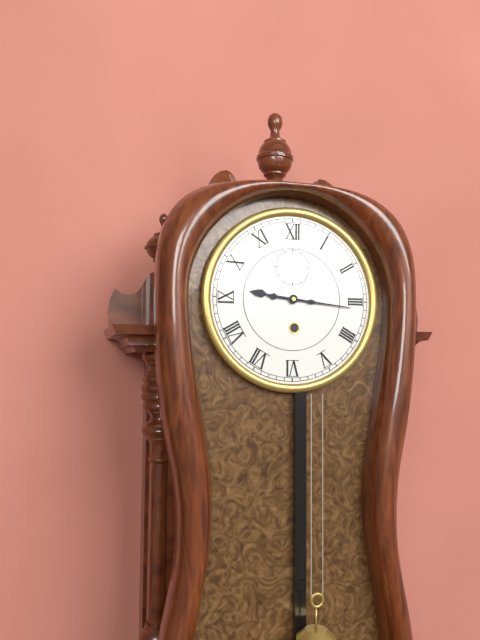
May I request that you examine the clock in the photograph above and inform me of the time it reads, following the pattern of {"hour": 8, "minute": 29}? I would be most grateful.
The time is {"hour": 9, "minute": 16}
